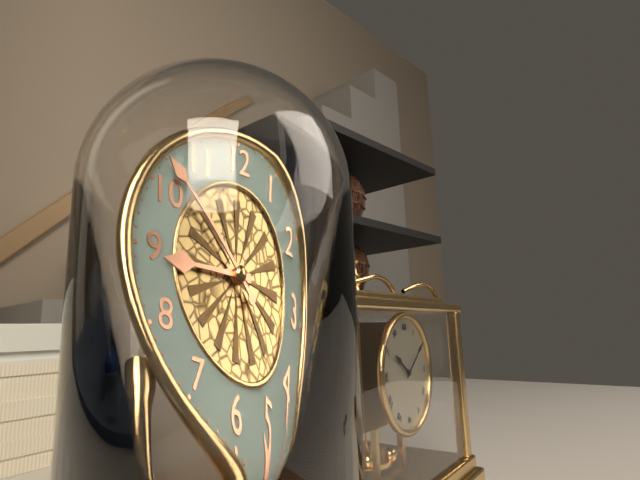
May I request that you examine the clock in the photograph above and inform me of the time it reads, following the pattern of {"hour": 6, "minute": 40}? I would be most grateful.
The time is {"hour": 8, "minute": 52}
